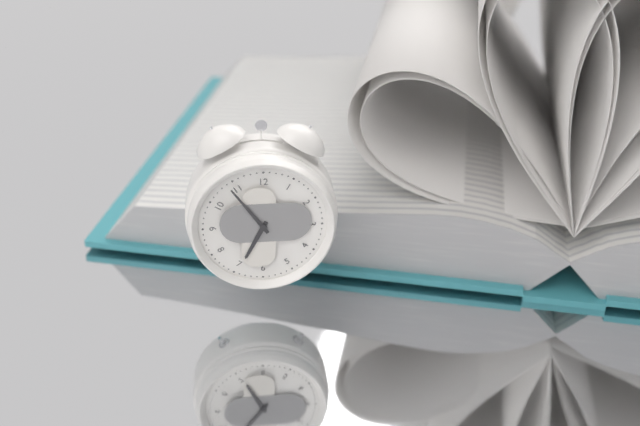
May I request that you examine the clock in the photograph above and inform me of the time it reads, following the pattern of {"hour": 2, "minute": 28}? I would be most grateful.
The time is {"hour": 6, "minute": 54}
